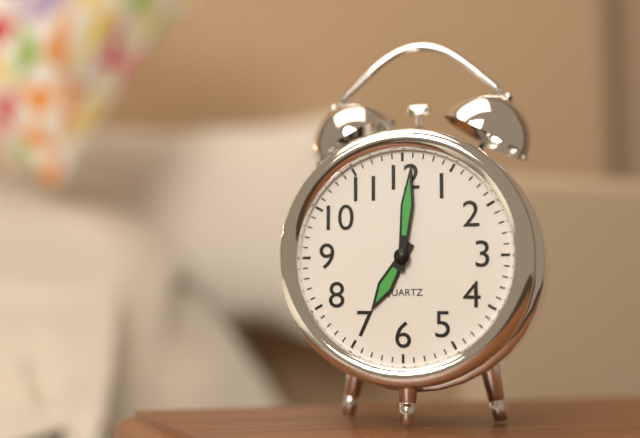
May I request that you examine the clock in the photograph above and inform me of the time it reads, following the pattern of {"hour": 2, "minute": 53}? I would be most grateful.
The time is {"hour": 7, "minute": 1}
